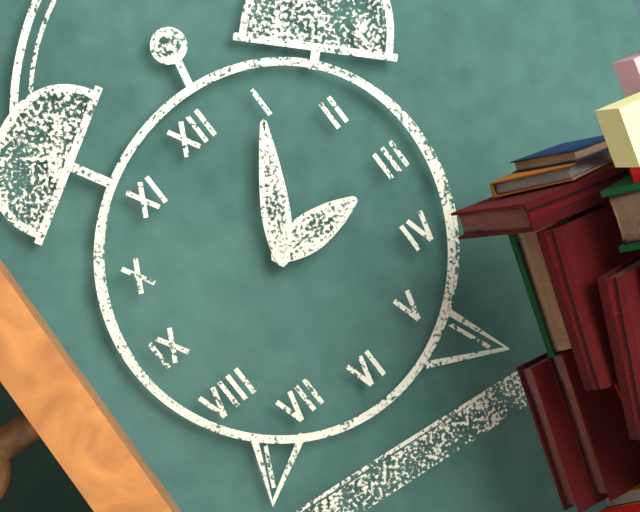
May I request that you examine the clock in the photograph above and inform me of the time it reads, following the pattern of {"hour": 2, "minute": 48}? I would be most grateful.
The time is {"hour": 3, "minute": 5}
